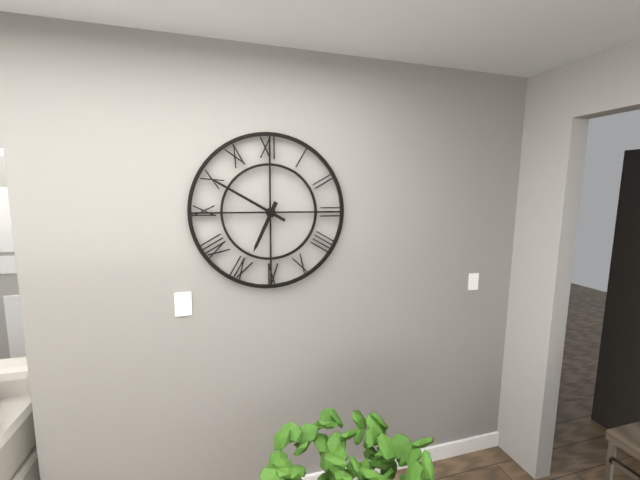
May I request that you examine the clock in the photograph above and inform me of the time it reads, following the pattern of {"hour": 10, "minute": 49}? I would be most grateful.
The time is {"hour": 6, "minute": 50}
